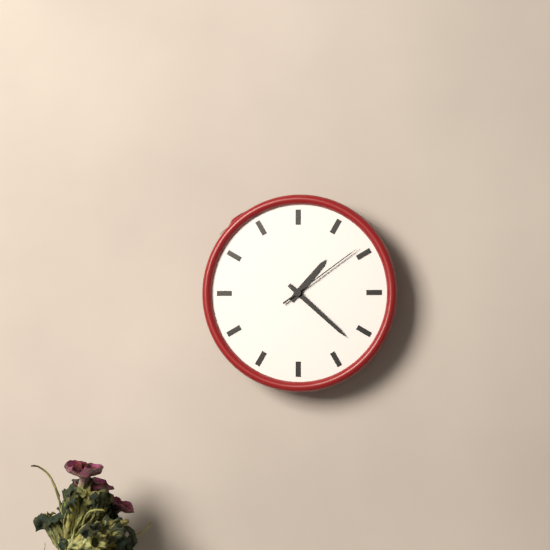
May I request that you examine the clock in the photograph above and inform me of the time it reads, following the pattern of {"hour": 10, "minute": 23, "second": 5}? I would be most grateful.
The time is {"hour": 1, "minute": 22, "second": 9}
